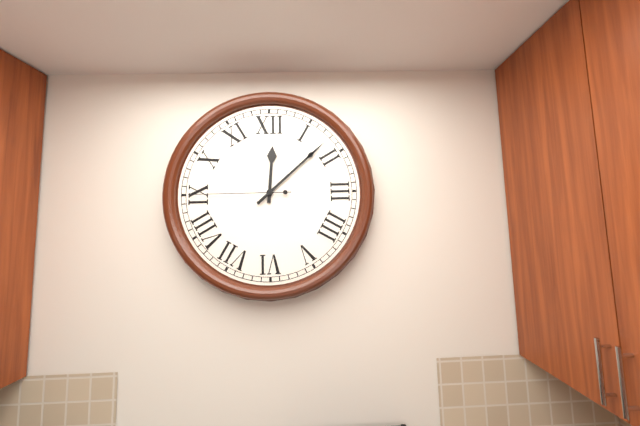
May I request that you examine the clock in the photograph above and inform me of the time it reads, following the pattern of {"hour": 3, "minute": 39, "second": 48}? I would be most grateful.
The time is {"hour": 12, "minute": 8, "second": 45}
